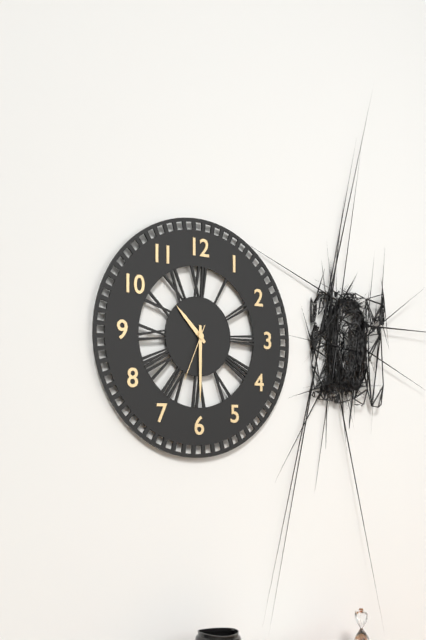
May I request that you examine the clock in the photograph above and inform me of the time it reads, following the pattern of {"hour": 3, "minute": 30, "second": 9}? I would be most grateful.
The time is {"hour": 10, "minute": 30, "second": 34}
